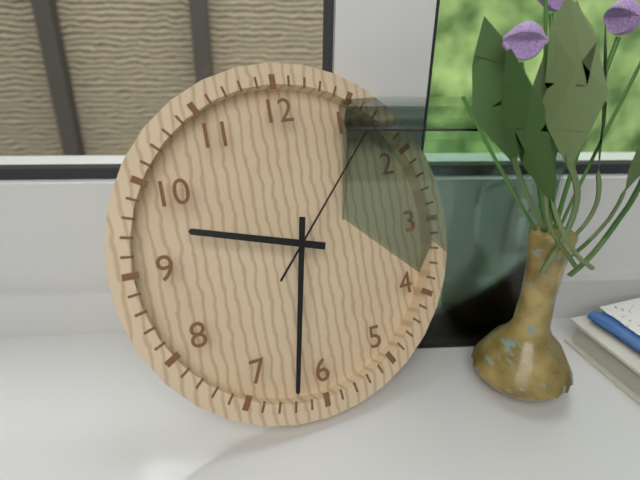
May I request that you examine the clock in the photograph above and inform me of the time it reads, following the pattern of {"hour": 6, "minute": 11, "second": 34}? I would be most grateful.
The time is {"hour": 9, "minute": 32, "second": 7}
